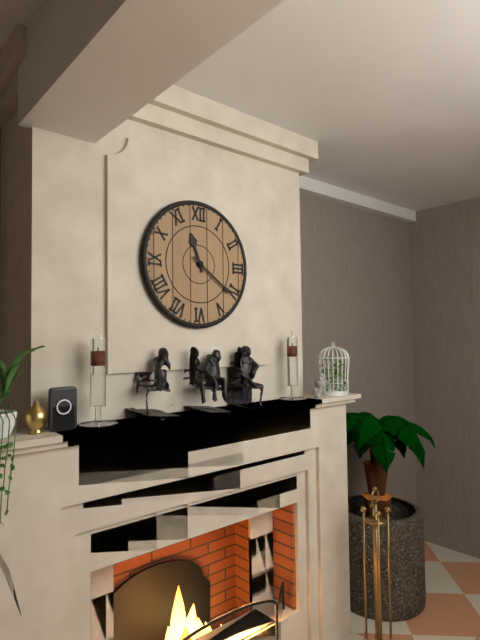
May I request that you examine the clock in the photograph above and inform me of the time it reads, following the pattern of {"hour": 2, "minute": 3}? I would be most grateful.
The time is {"hour": 11, "minute": 21}
